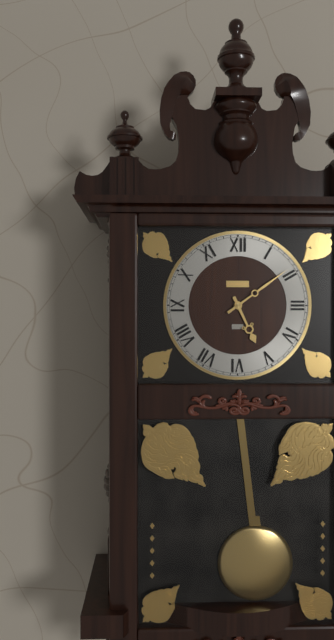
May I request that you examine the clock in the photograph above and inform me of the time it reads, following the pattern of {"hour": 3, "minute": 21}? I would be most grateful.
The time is {"hour": 5, "minute": 9}
